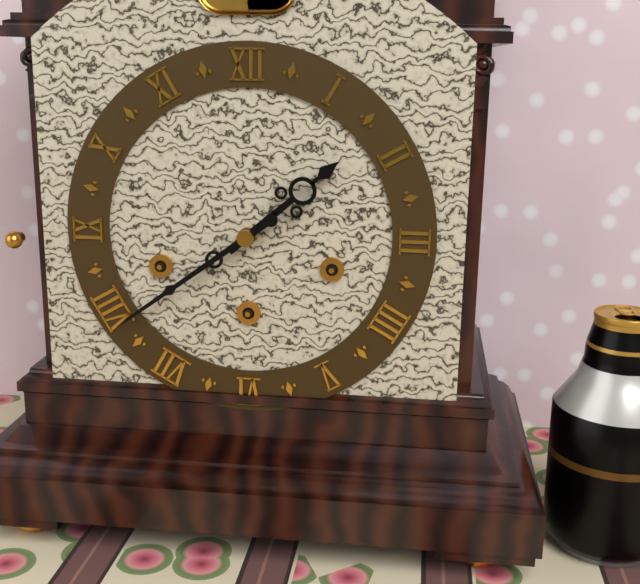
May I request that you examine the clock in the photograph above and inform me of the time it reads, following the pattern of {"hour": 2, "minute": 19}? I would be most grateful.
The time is {"hour": 1, "minute": 39}
